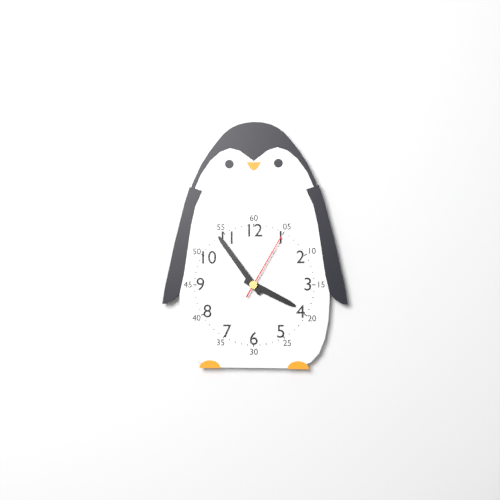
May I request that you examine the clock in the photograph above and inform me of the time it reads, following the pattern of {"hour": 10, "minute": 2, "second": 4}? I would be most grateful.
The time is {"hour": 3, "minute": 54, "second": 5}
